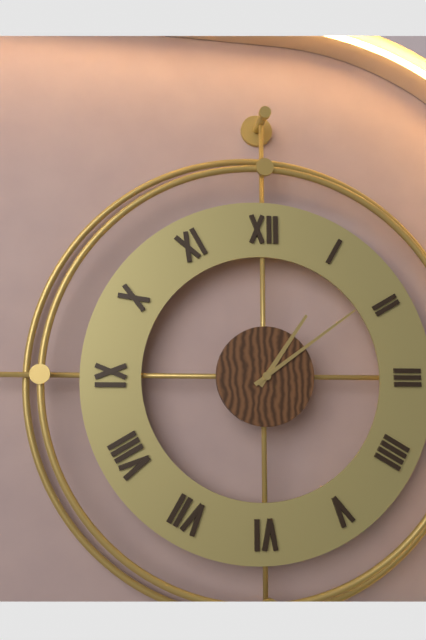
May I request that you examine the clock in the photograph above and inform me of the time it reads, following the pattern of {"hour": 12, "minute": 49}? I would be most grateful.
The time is {"hour": 1, "minute": 9}
